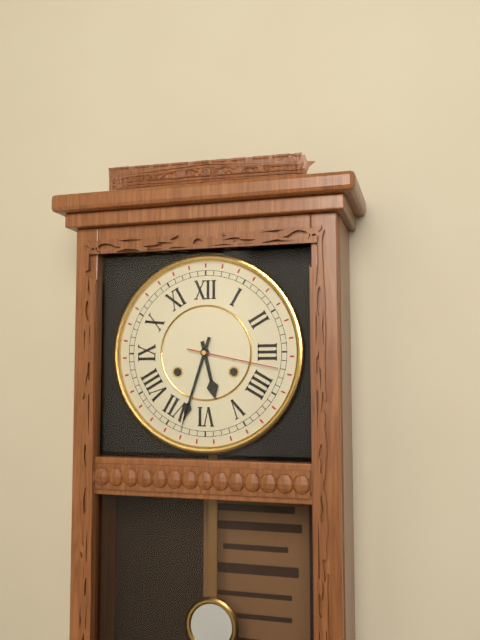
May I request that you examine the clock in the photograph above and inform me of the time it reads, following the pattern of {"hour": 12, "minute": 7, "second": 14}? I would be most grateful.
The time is {"hour": 5, "minute": 33, "second": 17}
